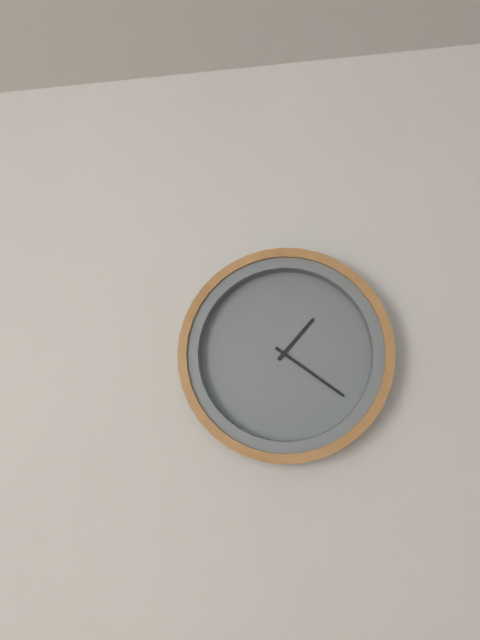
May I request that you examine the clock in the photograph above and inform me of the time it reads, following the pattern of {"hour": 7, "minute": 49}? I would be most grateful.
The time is {"hour": 1, "minute": 21}
